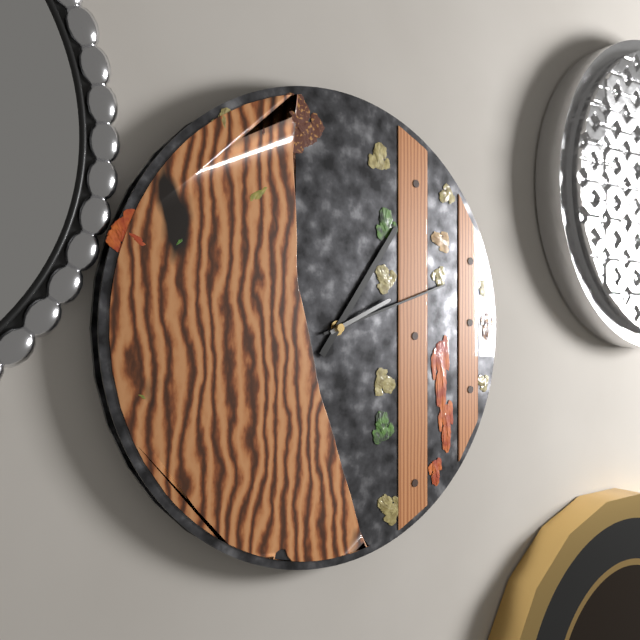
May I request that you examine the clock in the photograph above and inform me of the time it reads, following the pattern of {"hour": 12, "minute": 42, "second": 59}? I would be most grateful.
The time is {"hour": 1, "minute": 12, "second": 11}
